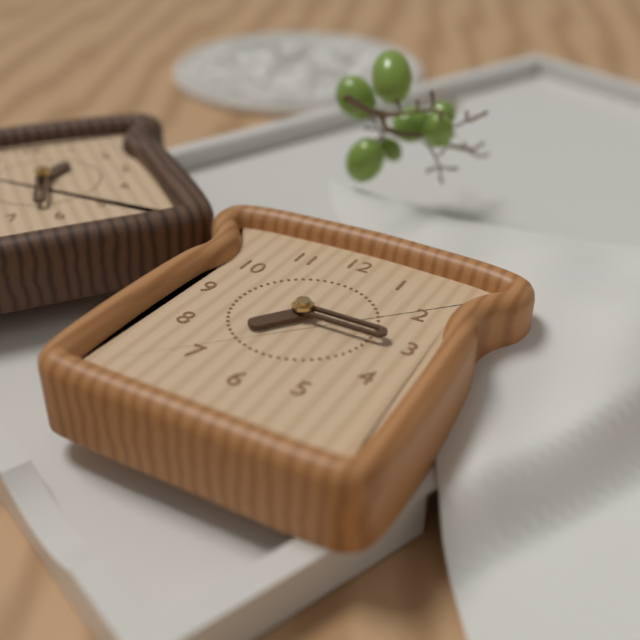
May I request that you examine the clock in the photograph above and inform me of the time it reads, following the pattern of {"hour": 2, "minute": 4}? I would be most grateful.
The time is {"hour": 7, "minute": 15}
